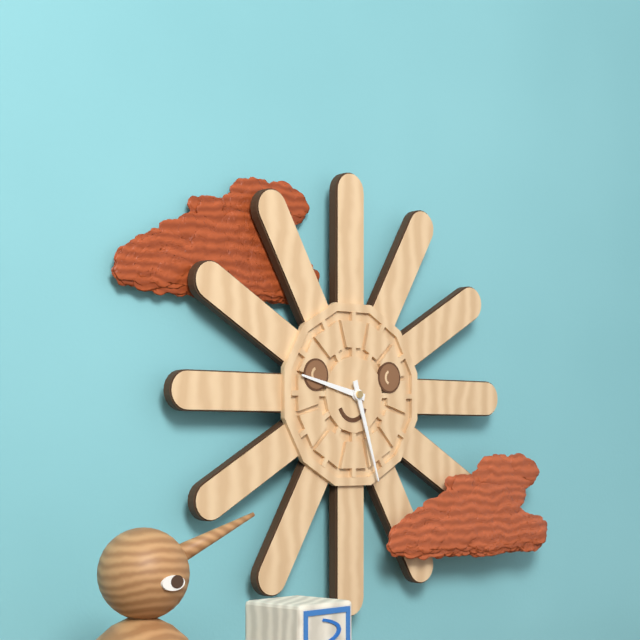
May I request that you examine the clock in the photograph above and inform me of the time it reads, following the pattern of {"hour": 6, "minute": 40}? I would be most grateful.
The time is {"hour": 9, "minute": 27}
